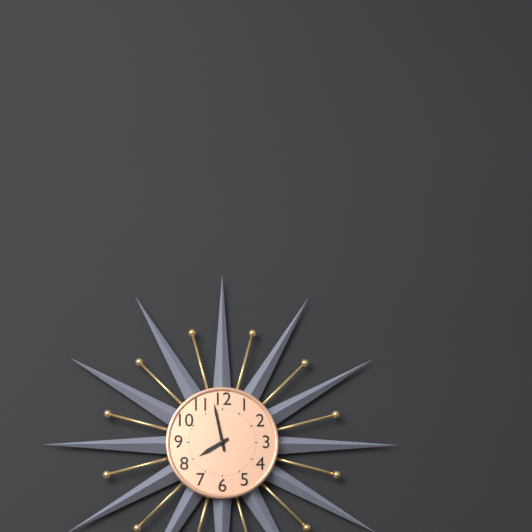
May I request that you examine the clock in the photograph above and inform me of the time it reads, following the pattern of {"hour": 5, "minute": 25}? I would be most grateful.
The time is {"hour": 7, "minute": 58}
